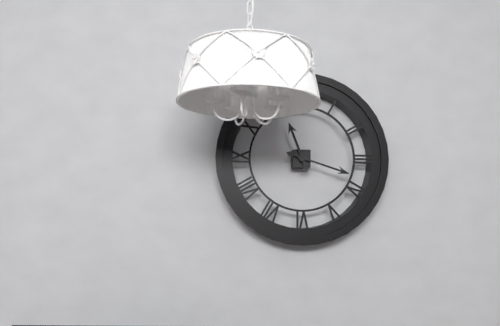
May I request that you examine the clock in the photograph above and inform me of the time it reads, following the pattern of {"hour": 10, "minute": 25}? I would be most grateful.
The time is {"hour": 11, "minute": 18}
